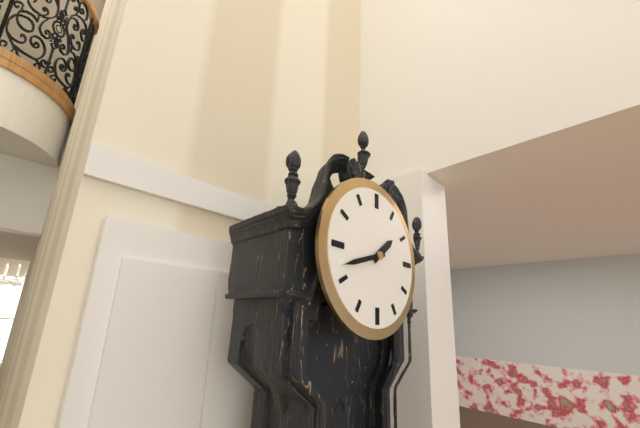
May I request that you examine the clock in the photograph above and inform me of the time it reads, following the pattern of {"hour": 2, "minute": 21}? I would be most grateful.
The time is {"hour": 1, "minute": 42}
